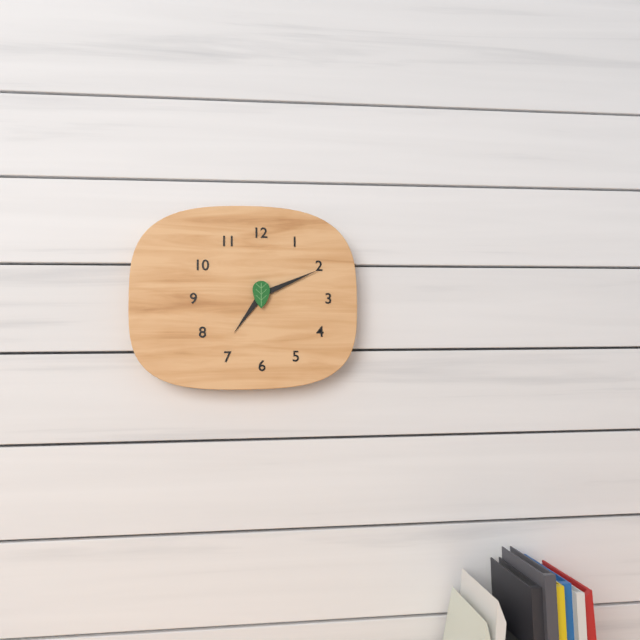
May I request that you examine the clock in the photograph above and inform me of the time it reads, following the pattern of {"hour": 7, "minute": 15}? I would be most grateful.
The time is {"hour": 7, "minute": 11}
